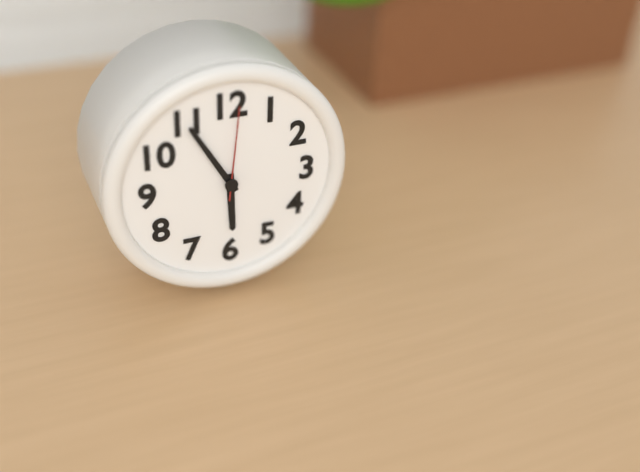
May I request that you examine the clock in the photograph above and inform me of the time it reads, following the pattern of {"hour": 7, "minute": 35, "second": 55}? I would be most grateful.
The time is {"hour": 5, "minute": 55, "second": 1}
